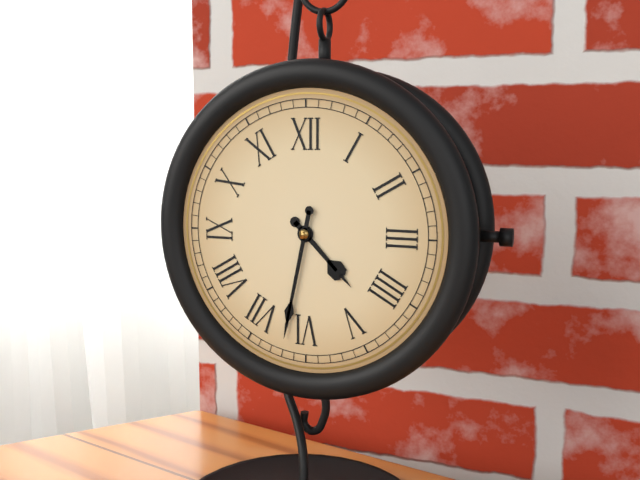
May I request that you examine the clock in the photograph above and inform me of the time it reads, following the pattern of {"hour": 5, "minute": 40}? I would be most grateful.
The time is {"hour": 4, "minute": 32}
